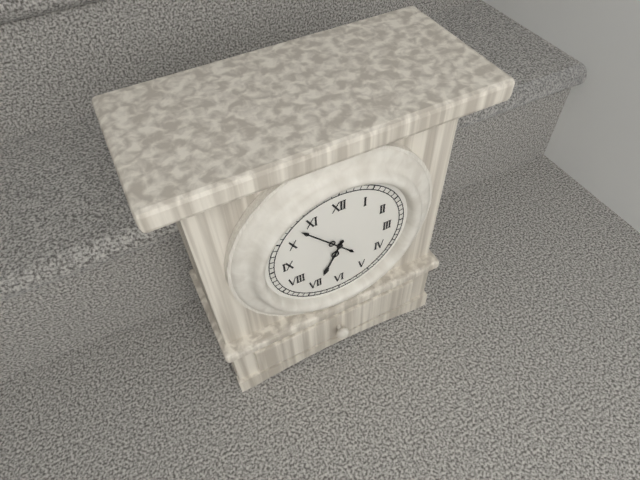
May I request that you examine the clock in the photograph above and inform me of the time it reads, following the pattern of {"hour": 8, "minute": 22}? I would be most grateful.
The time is {"hour": 6, "minute": 53}
